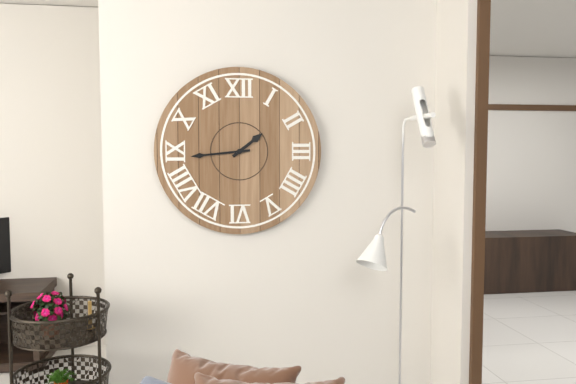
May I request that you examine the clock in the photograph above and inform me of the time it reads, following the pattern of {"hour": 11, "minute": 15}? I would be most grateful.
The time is {"hour": 1, "minute": 44}
